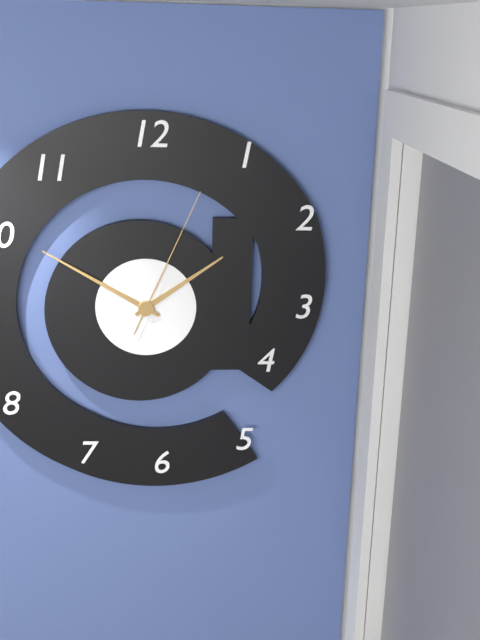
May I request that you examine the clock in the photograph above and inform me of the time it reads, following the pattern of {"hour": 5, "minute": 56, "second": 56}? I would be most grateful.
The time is {"hour": 1, "minute": 50, "second": 4}
